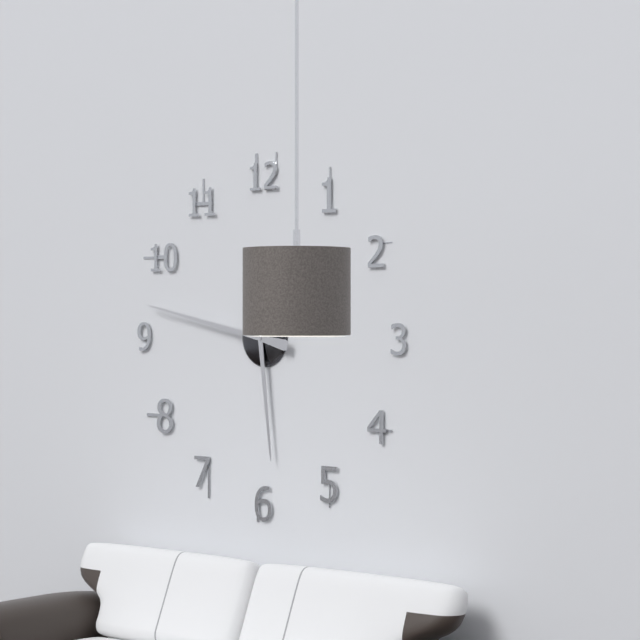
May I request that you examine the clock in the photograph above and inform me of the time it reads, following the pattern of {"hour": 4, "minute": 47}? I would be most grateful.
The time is {"hour": 5, "minute": 47}
